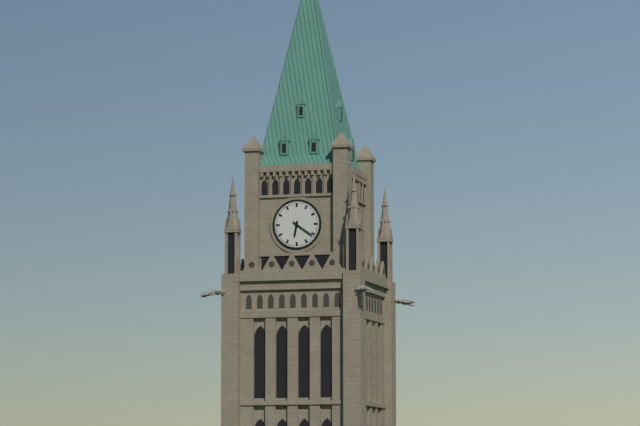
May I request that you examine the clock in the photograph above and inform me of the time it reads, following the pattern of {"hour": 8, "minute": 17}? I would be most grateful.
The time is {"hour": 6, "minute": 21}
